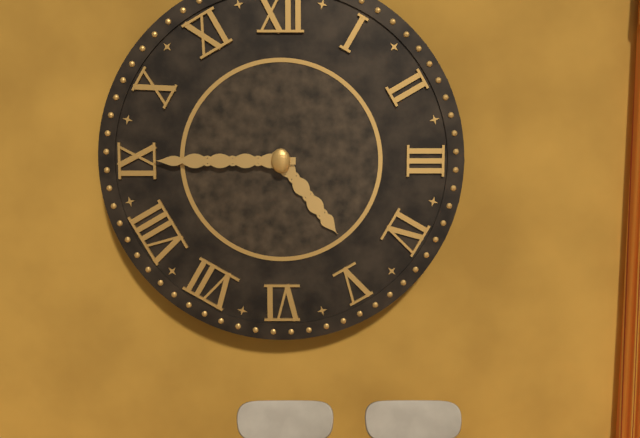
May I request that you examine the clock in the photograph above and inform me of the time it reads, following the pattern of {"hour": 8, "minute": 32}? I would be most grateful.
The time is {"hour": 4, "minute": 45}
